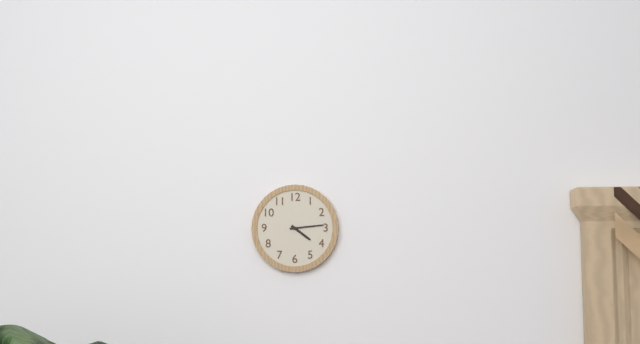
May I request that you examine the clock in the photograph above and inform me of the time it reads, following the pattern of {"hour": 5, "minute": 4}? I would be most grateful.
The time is {"hour": 4, "minute": 14}
